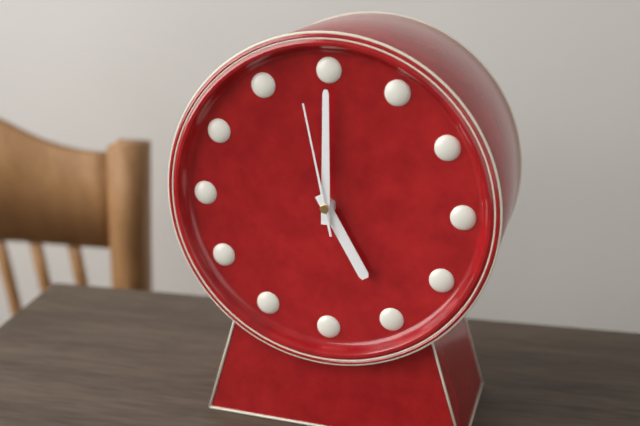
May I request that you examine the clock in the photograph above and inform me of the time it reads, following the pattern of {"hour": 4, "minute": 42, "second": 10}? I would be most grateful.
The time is {"hour": 5, "minute": 0, "second": 58}
